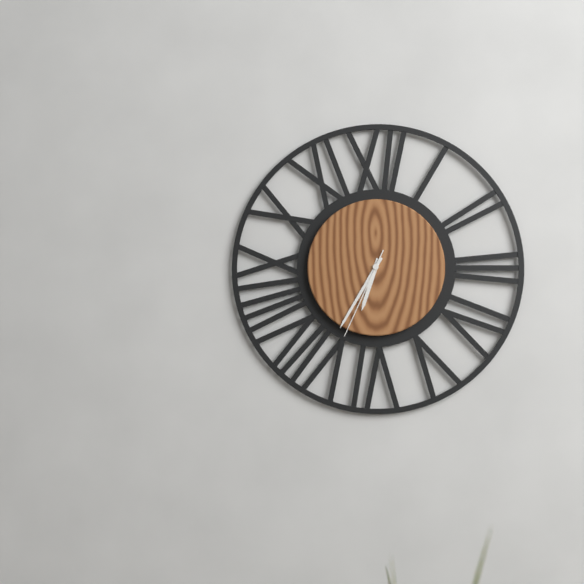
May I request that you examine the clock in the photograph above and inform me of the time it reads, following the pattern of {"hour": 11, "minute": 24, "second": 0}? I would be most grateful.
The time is {"hour": 6, "minute": 35, "second": 34}
